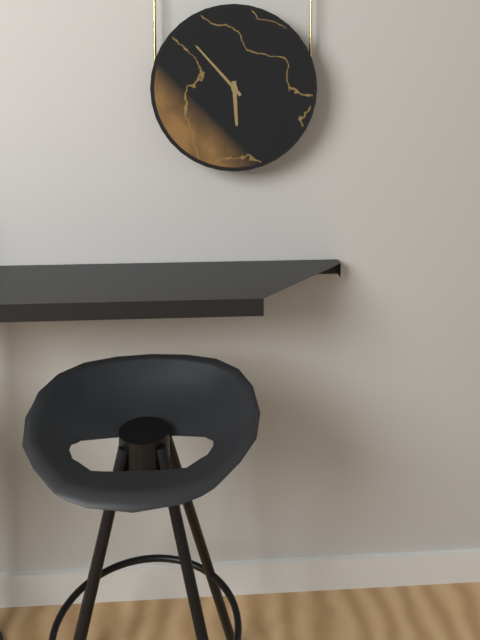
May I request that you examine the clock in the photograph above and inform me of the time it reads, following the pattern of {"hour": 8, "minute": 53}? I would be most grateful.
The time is {"hour": 5, "minute": 53}
